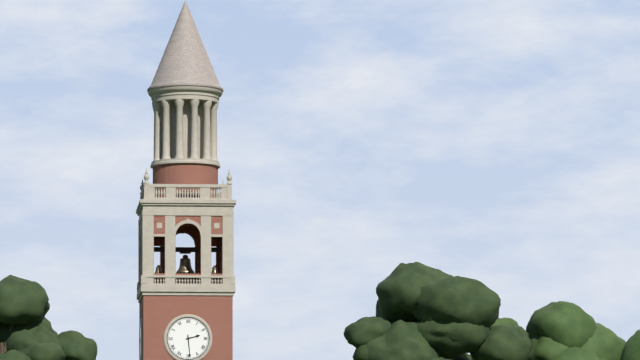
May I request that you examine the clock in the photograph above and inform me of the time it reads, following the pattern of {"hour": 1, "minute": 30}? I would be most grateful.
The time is {"hour": 2, "minute": 29}
